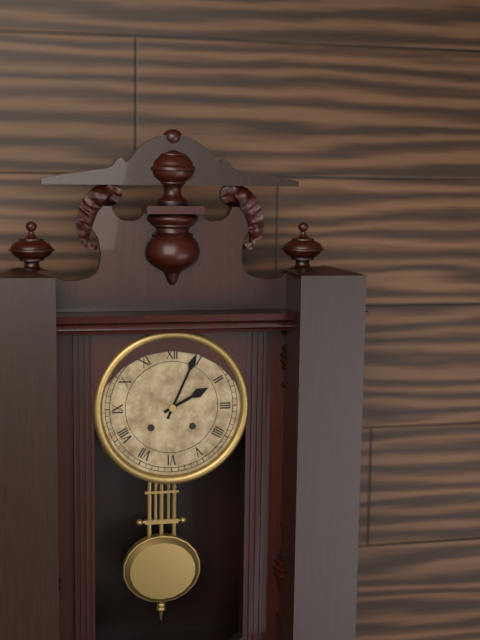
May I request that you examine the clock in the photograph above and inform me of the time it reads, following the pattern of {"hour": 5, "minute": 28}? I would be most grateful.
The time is {"hour": 2, "minute": 4}
